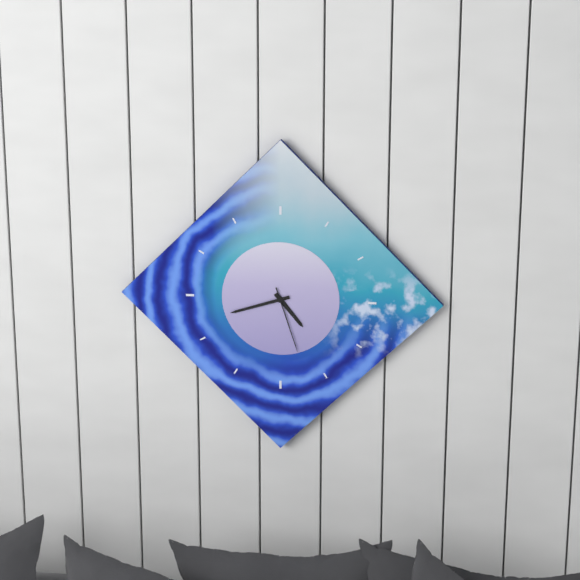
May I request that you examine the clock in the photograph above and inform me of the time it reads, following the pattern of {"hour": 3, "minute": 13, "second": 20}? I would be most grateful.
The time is {"hour": 4, "minute": 42, "second": 27}
